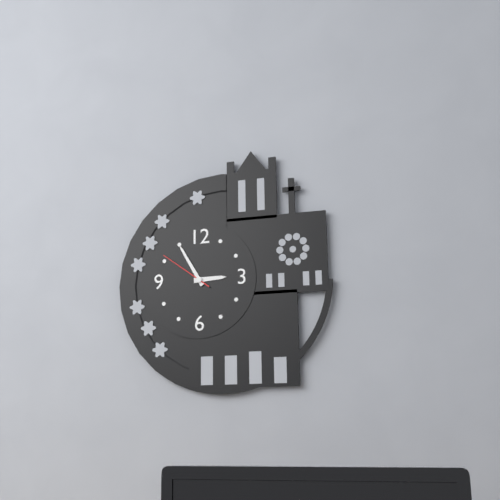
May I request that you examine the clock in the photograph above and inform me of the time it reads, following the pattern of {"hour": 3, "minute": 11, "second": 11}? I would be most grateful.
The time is {"hour": 2, "minute": 55, "second": 51}
